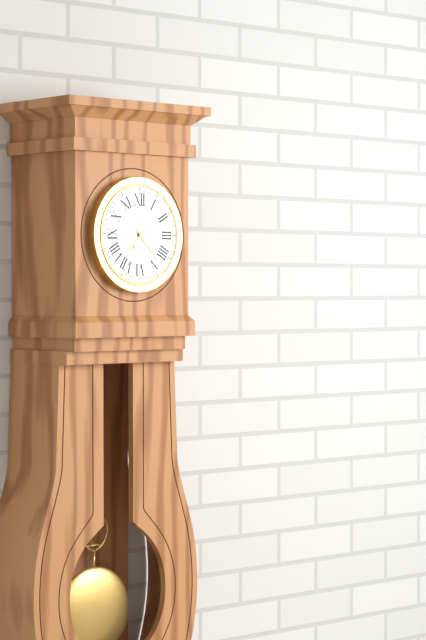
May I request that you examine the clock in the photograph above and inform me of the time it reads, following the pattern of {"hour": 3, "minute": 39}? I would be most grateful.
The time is {"hour": 7, "minute": 23}
